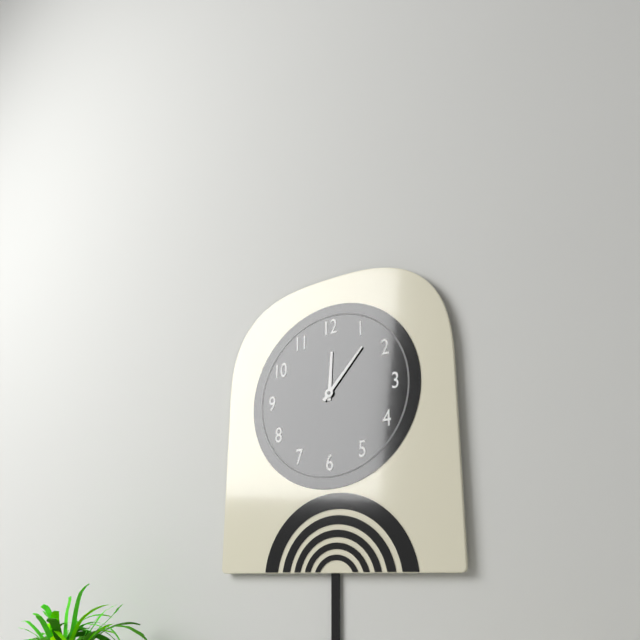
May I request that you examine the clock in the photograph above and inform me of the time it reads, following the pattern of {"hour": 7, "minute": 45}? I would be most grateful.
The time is {"hour": 12, "minute": 7}
